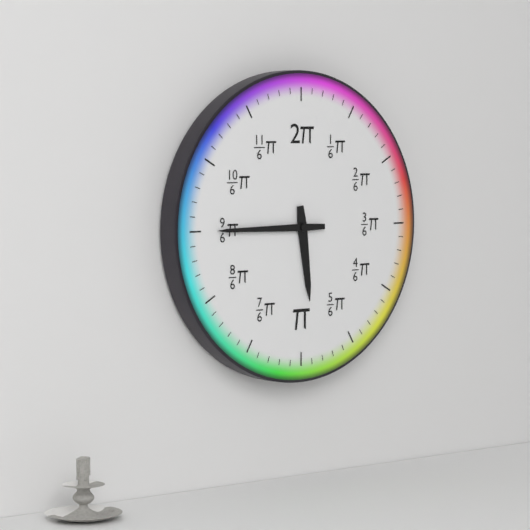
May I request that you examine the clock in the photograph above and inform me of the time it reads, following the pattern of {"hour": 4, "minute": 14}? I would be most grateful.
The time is {"hour": 5, "minute": 45}
